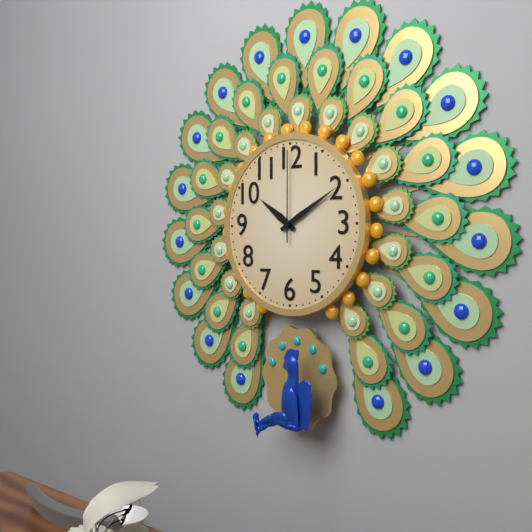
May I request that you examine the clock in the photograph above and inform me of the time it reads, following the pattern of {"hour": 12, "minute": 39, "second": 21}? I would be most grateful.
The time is {"hour": 10, "minute": 10, "second": 0}
